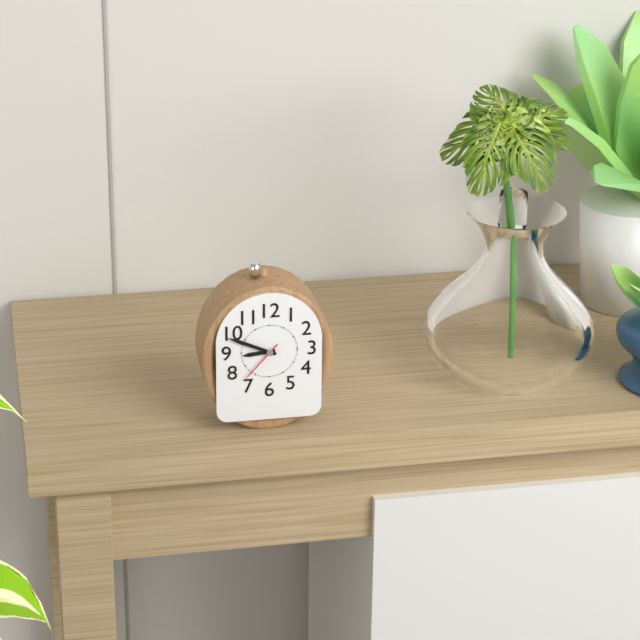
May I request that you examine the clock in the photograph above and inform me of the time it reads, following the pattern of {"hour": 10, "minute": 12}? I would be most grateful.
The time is {"hour": 8, "minute": 49}
